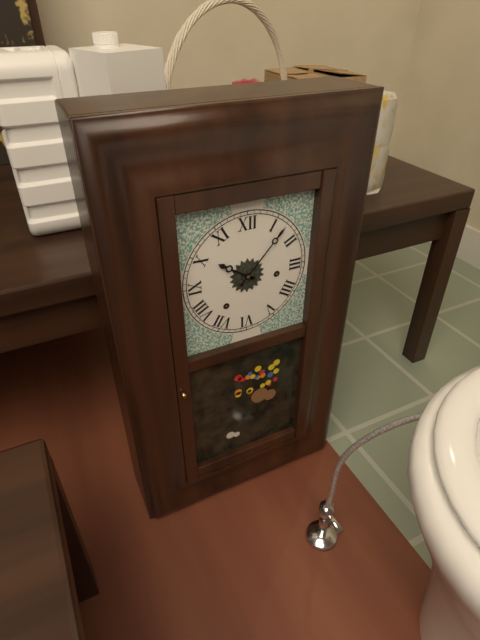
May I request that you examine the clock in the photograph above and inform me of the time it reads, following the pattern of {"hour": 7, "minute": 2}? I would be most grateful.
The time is {"hour": 10, "minute": 7}
